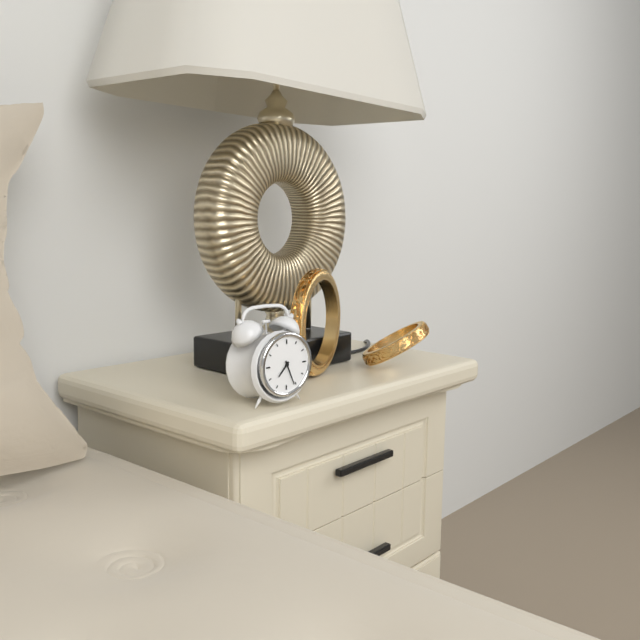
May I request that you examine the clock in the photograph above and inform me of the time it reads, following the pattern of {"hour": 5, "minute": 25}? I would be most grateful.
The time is {"hour": 7, "minute": 26}
